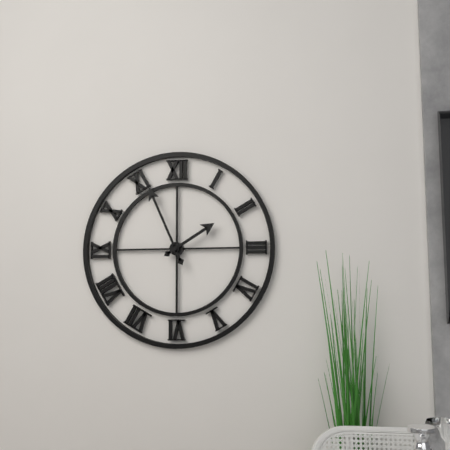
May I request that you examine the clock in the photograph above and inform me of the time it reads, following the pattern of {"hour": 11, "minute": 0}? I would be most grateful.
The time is {"hour": 1, "minute": 56}
